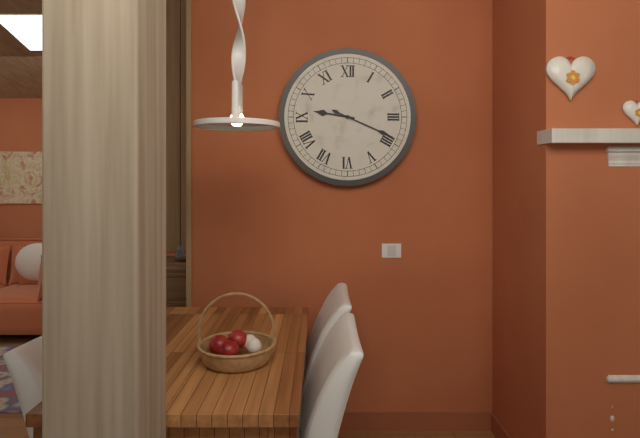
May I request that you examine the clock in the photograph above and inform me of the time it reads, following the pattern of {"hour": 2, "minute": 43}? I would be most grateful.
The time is {"hour": 9, "minute": 19}
